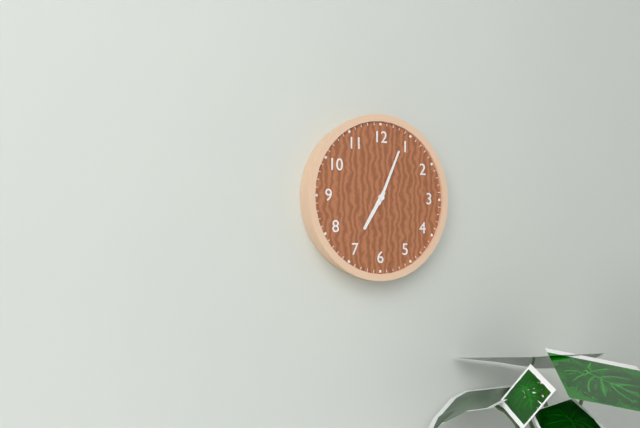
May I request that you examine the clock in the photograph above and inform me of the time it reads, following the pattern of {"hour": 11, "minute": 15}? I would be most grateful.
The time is {"hour": 7, "minute": 4}
